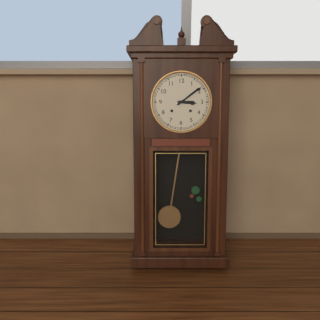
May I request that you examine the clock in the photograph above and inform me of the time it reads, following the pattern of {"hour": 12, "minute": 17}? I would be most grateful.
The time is {"hour": 3, "minute": 9}
